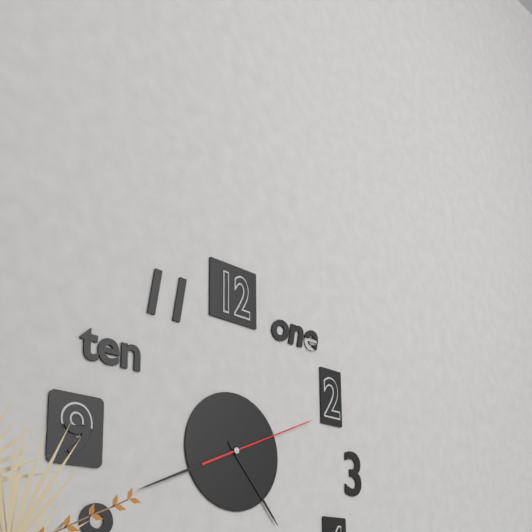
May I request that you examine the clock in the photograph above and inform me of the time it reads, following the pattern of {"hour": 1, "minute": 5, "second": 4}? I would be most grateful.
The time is {"hour": 4, "minute": 41, "second": 11}
